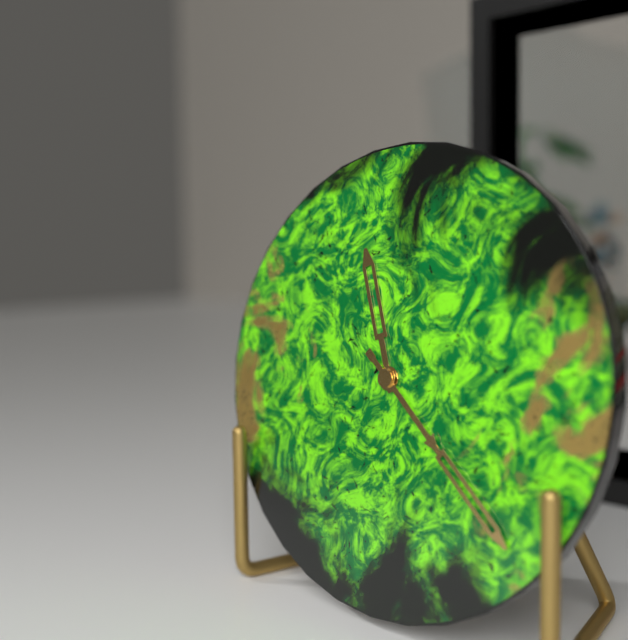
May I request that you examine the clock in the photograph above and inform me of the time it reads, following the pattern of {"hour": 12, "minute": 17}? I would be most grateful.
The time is {"hour": 11, "minute": 22}
